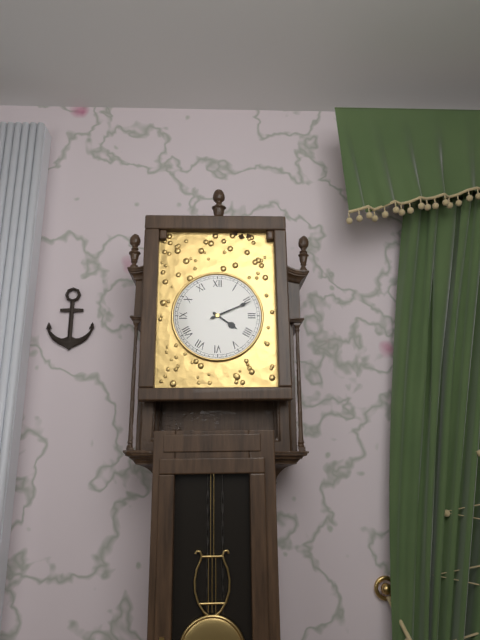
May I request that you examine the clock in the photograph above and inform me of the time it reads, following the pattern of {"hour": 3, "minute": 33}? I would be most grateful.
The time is {"hour": 4, "minute": 11}
